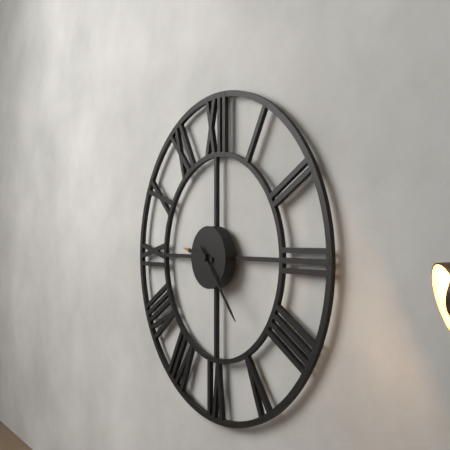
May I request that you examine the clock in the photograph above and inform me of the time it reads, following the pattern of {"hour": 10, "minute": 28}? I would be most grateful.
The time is {"hour": 9, "minute": 23}
